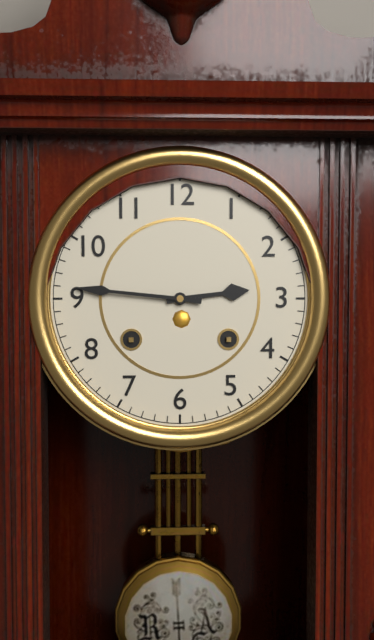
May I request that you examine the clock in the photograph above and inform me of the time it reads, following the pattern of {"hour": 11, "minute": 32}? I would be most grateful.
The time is {"hour": 2, "minute": 46}
